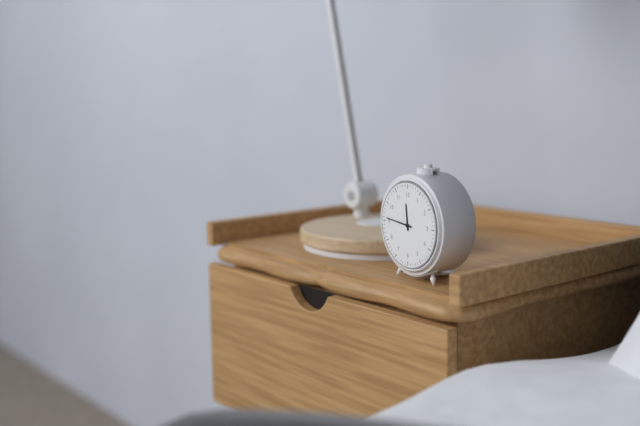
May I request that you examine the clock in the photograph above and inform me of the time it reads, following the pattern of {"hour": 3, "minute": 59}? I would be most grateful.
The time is {"hour": 11, "minute": 46}
